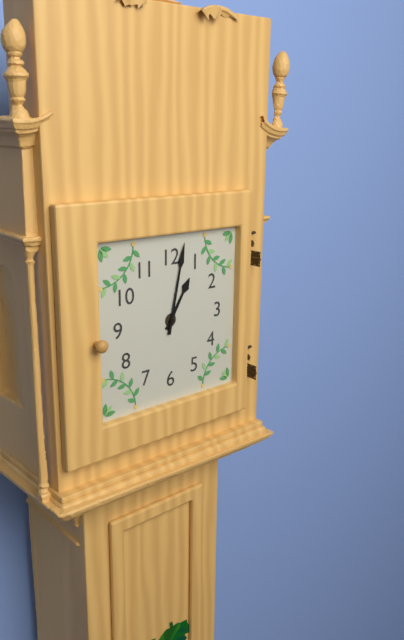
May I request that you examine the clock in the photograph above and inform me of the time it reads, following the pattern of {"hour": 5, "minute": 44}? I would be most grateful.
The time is {"hour": 1, "minute": 2}
